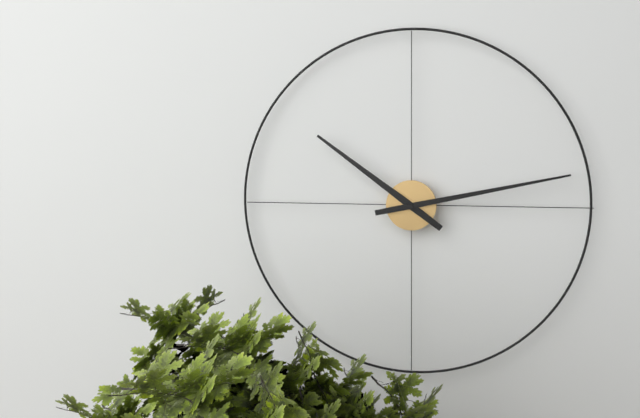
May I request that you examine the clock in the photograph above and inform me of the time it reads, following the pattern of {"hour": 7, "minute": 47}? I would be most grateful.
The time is {"hour": 10, "minute": 13}
